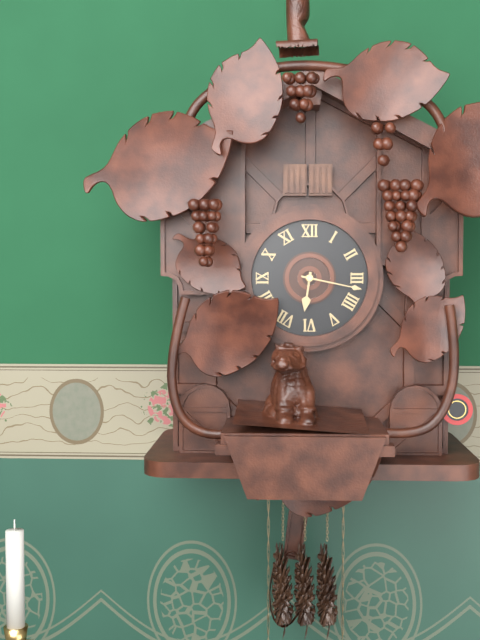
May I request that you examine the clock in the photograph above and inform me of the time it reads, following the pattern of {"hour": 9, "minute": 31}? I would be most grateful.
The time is {"hour": 6, "minute": 17}
